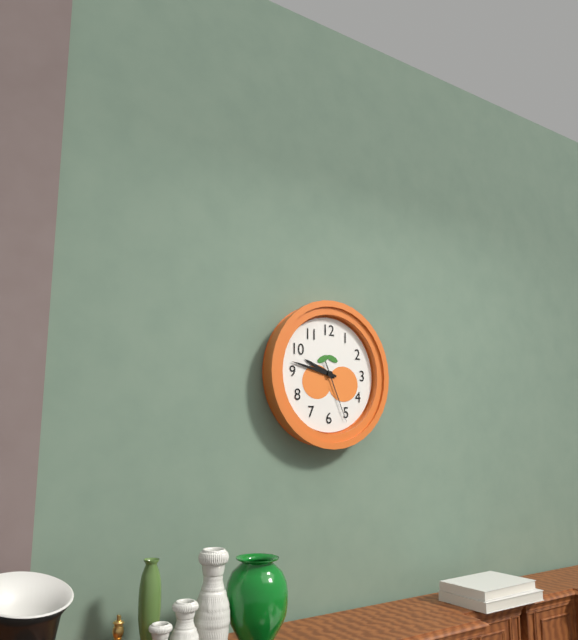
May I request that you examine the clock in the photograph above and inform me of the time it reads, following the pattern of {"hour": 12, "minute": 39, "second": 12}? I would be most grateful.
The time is {"hour": 9, "minute": 47, "second": 26}
